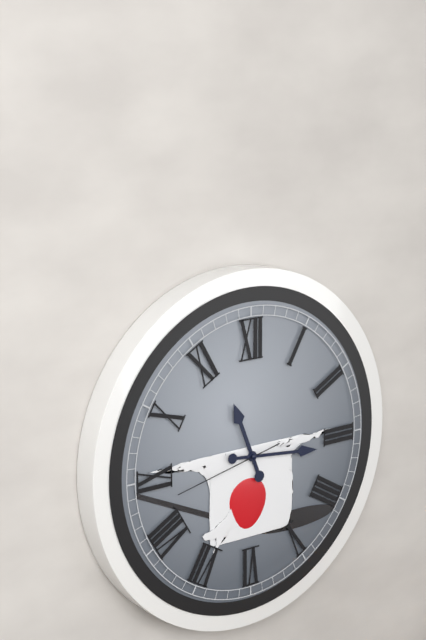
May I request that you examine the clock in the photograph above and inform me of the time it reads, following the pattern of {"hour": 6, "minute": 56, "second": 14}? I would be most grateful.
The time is {"hour": 11, "minute": 16, "second": 43}
